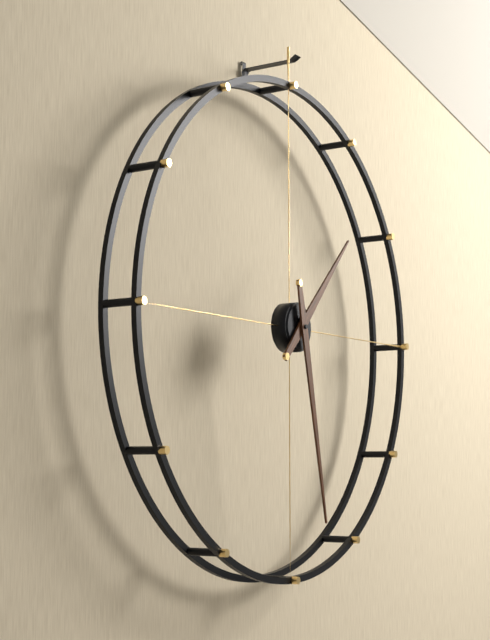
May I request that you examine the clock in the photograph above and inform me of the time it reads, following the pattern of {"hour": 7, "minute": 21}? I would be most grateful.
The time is {"hour": 1, "minute": 28}
